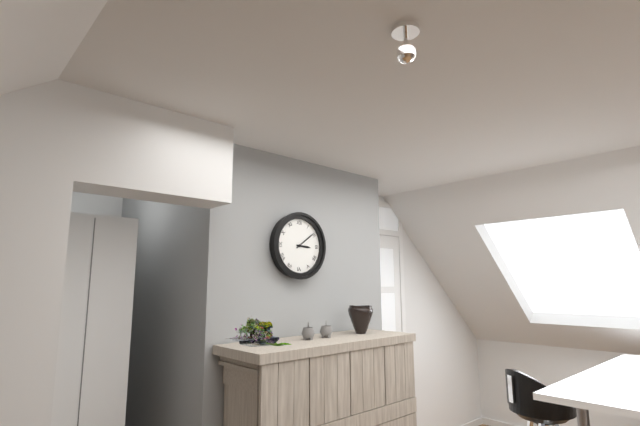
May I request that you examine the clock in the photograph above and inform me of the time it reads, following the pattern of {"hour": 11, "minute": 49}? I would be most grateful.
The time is {"hour": 3, "minute": 9}
